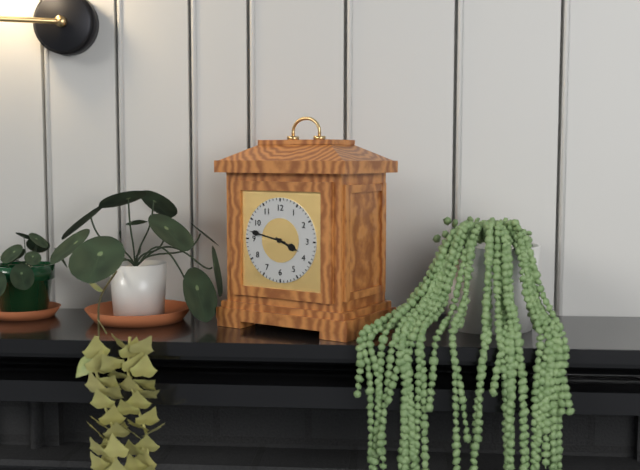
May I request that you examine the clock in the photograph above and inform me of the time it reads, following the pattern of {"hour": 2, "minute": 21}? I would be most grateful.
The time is {"hour": 3, "minute": 47}
